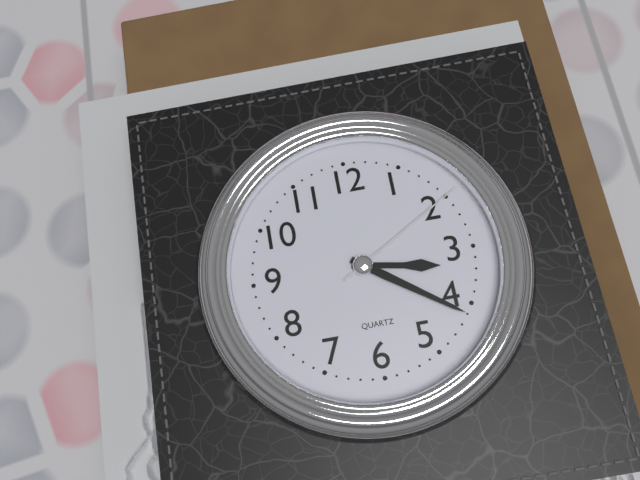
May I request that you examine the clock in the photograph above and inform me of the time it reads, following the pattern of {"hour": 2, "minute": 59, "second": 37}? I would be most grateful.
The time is {"hour": 3, "minute": 21, "second": 10}
